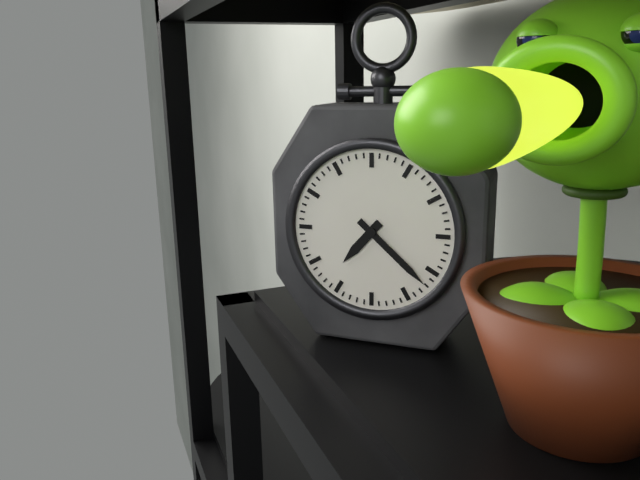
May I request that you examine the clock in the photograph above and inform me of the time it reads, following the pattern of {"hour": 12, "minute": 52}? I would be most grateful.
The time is {"hour": 7, "minute": 22}
